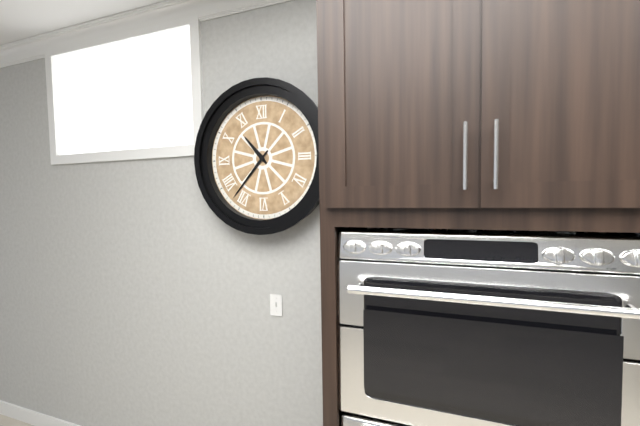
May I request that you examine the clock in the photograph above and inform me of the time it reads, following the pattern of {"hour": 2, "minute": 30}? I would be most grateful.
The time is {"hour": 10, "minute": 37}
